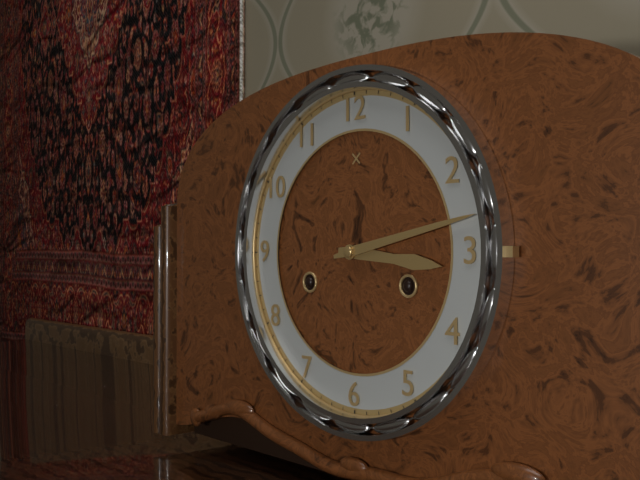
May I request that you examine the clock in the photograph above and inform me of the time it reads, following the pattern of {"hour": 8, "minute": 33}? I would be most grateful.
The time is {"hour": 3, "minute": 13}
